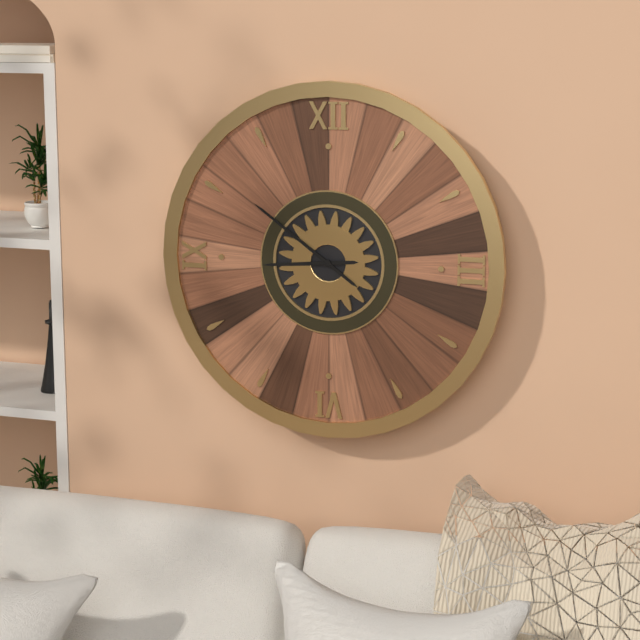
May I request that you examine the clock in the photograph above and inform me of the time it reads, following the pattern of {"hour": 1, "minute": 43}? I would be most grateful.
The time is {"hour": 8, "minute": 51}
